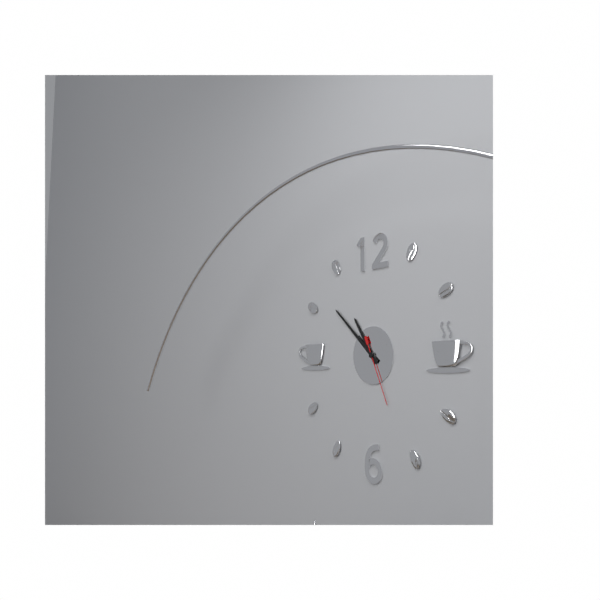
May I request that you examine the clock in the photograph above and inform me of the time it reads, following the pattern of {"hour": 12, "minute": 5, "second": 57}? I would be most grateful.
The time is {"hour": 10, "minute": 52, "second": 26}
